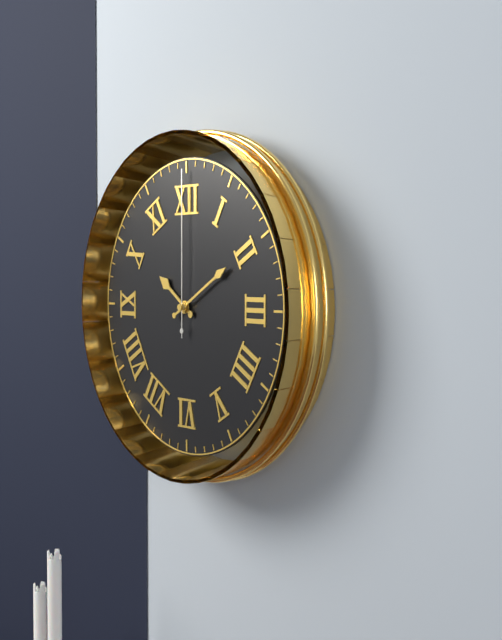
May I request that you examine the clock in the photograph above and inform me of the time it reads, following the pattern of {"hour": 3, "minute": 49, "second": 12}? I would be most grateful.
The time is {"hour": 10, "minute": 10, "second": 0}
